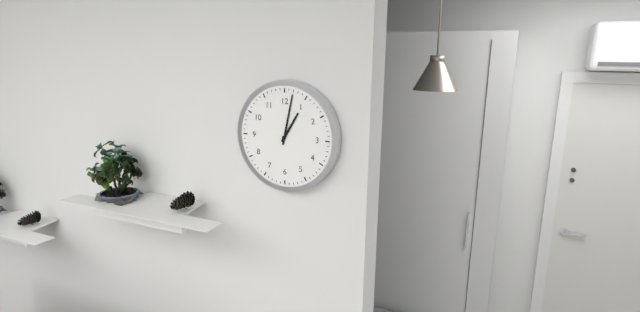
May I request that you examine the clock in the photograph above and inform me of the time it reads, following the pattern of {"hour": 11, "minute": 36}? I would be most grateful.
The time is {"hour": 1, "minute": 2}
